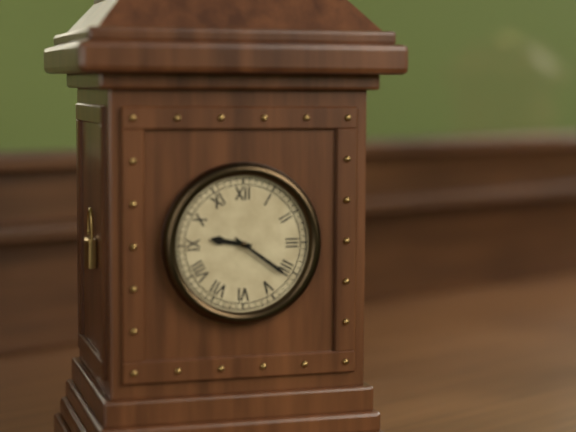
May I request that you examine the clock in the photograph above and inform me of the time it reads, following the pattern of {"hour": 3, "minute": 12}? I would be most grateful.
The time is {"hour": 9, "minute": 21}
